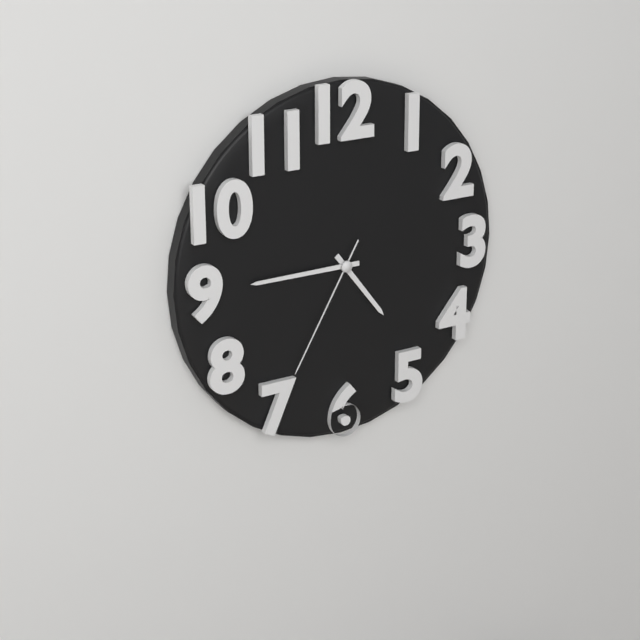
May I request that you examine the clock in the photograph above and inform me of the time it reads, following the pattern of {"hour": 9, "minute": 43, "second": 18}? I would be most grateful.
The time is {"hour": 4, "minute": 45, "second": 35}
